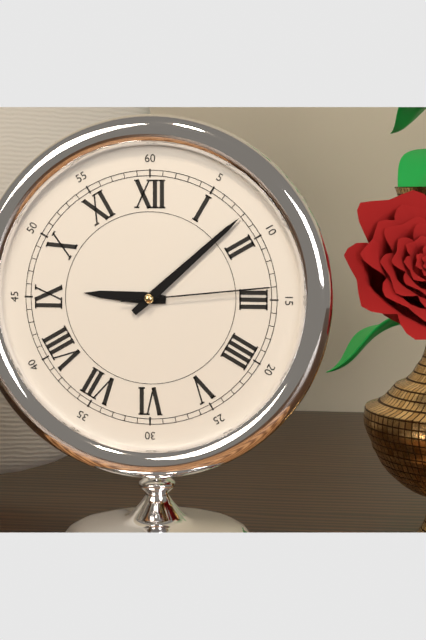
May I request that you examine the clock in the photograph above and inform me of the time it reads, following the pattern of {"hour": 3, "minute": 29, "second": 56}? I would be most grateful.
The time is {"hour": 9, "minute": 8, "second": 14}
